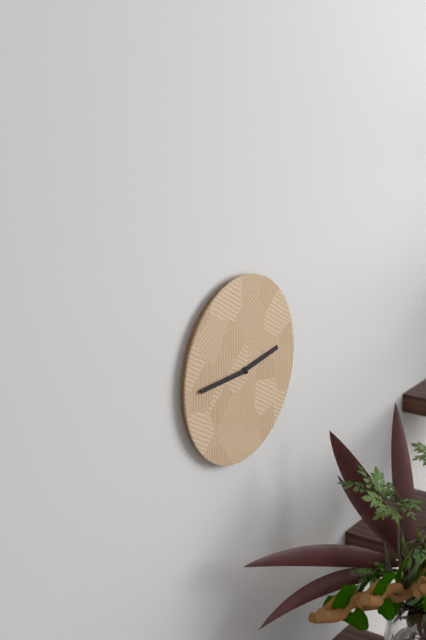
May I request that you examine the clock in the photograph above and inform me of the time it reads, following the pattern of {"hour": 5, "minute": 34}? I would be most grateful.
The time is {"hour": 2, "minute": 45}
